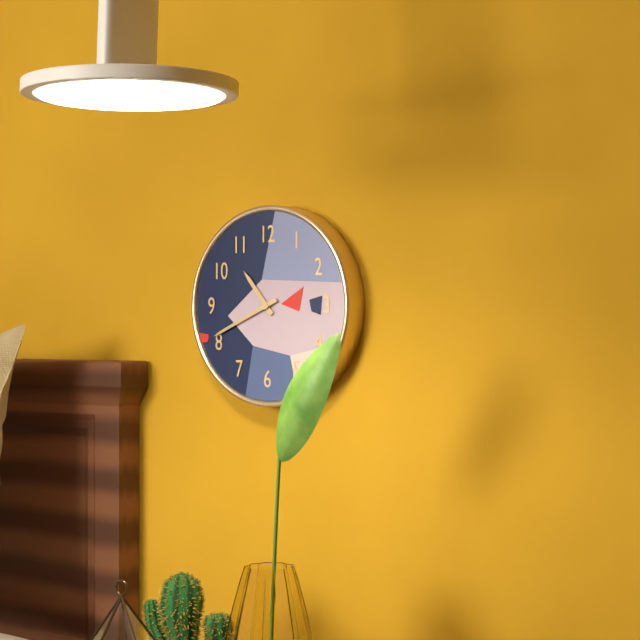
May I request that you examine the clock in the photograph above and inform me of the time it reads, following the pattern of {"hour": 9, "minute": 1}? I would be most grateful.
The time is {"hour": 10, "minute": 41}
